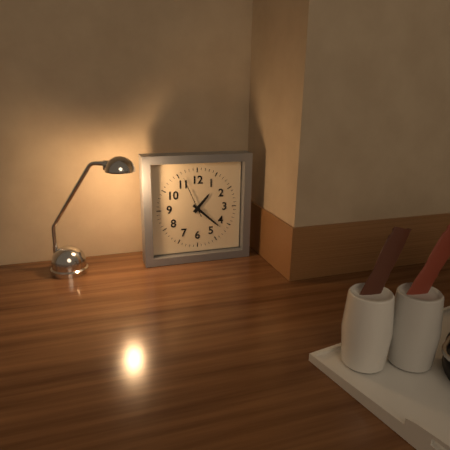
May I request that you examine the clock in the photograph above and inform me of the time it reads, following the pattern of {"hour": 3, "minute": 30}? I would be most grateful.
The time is {"hour": 1, "minute": 22}
